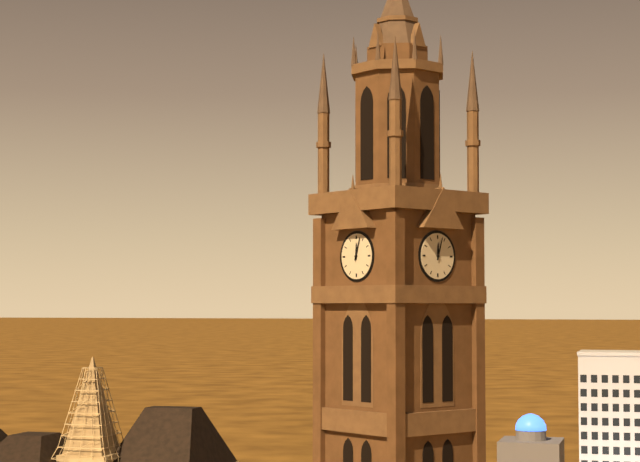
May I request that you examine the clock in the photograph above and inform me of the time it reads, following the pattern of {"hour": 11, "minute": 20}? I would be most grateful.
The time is {"hour": 12, "minute": 3}
